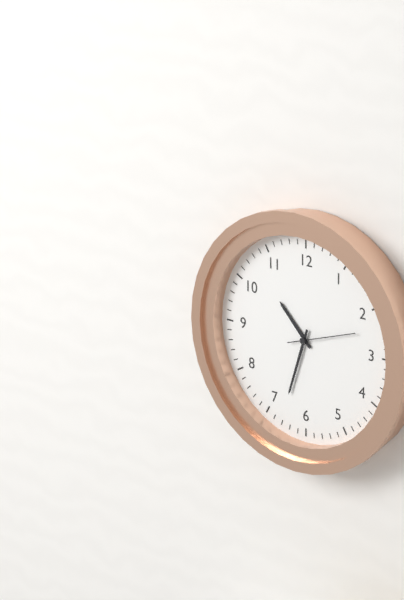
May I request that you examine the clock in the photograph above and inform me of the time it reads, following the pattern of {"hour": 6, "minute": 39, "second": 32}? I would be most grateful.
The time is {"hour": 10, "minute": 33, "second": 12}
